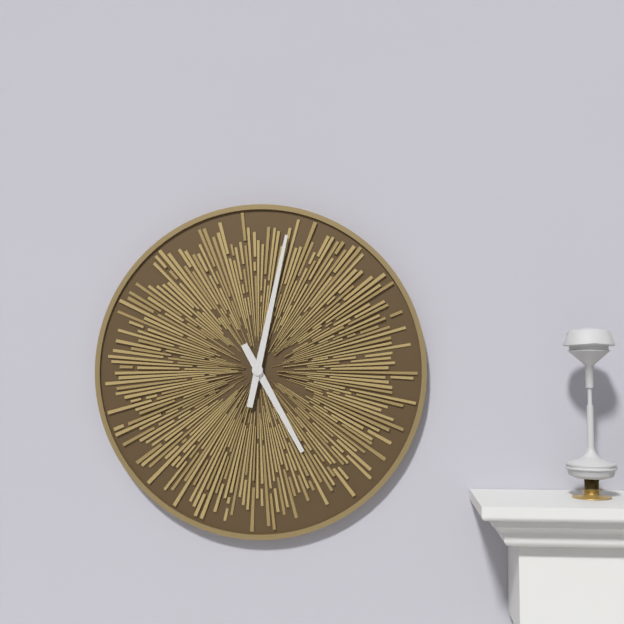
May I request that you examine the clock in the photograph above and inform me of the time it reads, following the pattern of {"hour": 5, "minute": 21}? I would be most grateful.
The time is {"hour": 5, "minute": 2}
